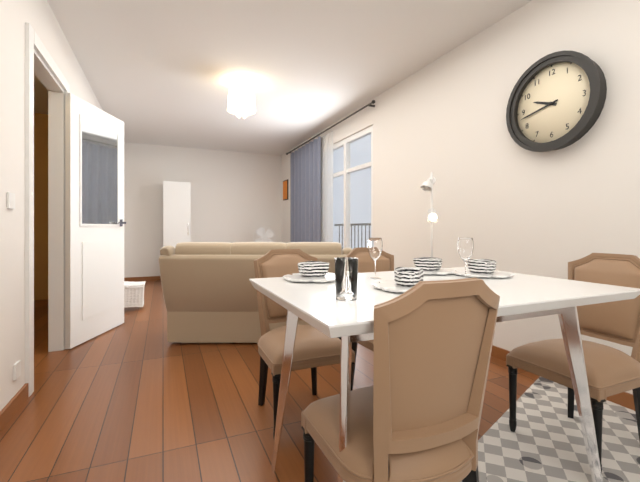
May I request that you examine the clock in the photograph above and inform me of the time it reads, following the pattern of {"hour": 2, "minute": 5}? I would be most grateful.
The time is {"hour": 9, "minute": 43}
